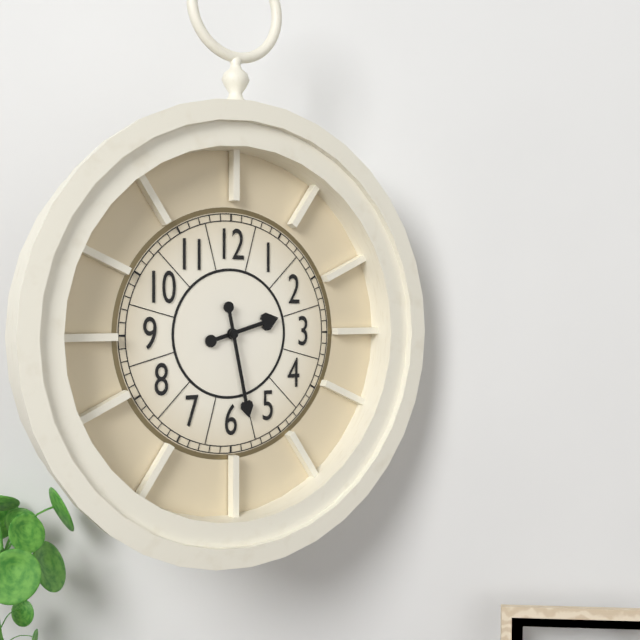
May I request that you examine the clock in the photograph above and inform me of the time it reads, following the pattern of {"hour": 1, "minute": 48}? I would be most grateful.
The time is {"hour": 2, "minute": 28}
